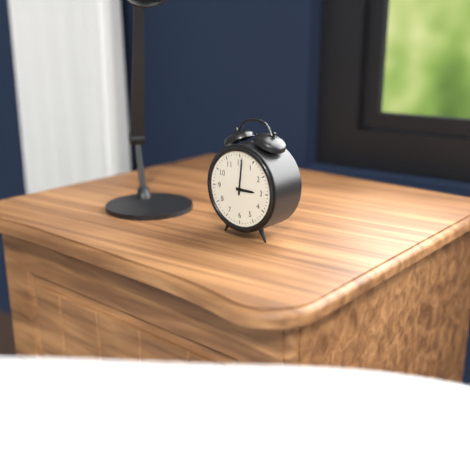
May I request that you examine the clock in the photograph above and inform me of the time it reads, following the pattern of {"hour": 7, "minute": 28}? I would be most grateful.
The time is {"hour": 3, "minute": 1}
